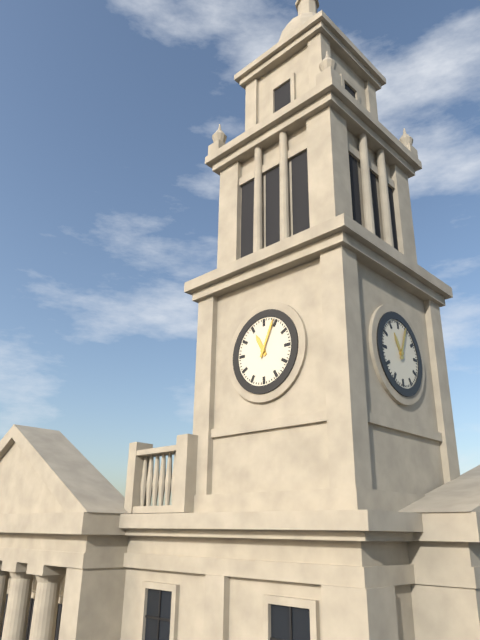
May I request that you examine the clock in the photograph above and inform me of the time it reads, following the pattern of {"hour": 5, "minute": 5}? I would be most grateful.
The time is {"hour": 11, "minute": 4}
